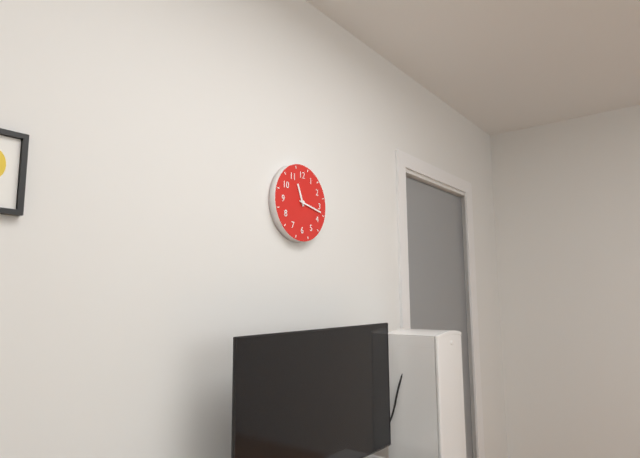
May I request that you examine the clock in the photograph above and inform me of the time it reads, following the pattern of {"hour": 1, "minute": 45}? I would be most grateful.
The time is {"hour": 11, "minute": 17}
